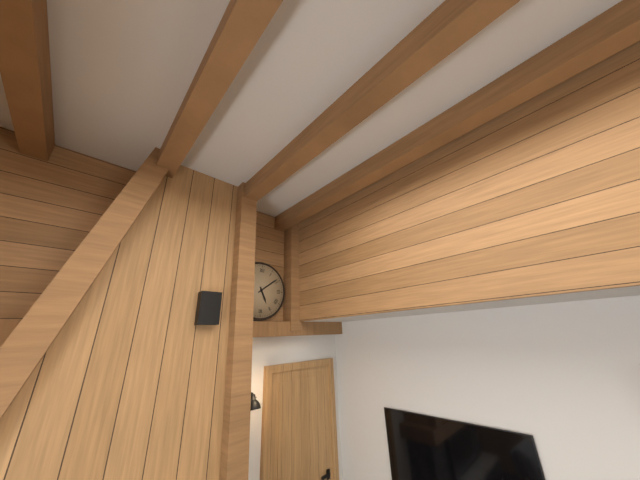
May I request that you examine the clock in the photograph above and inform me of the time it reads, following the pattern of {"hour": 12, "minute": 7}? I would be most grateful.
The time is {"hour": 5, "minute": 9}
